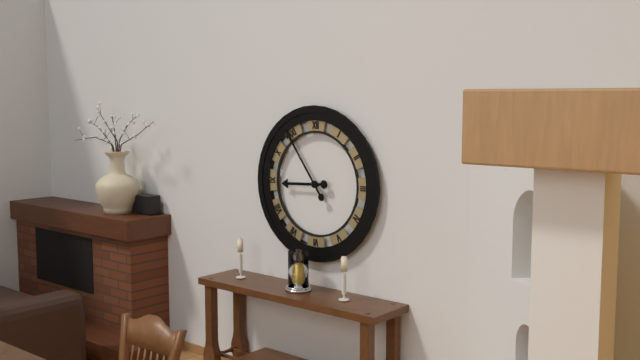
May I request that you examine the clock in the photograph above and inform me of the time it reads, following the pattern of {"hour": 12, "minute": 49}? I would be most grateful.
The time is {"hour": 8, "minute": 54}
